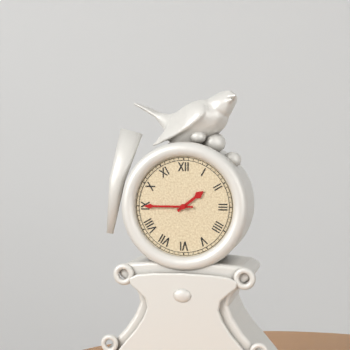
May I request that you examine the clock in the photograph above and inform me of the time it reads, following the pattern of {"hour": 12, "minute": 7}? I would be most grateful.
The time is {"hour": 1, "minute": 45}
